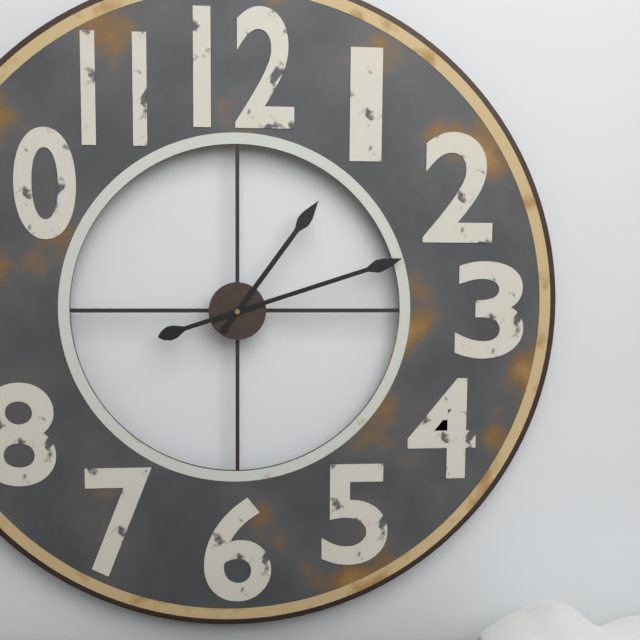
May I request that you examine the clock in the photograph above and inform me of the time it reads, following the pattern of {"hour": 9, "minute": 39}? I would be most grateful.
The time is {"hour": 1, "minute": 12}
